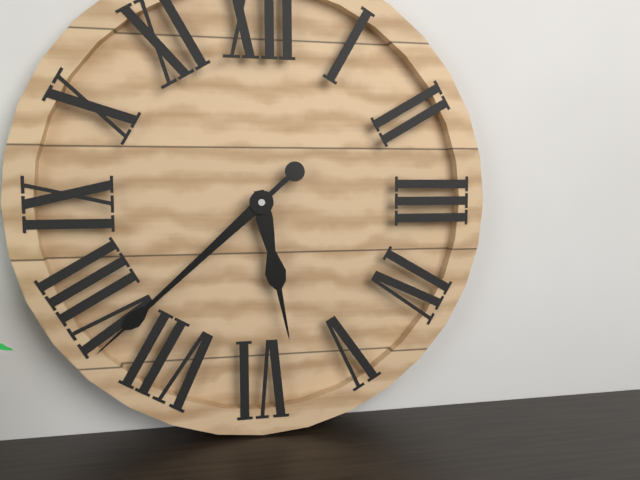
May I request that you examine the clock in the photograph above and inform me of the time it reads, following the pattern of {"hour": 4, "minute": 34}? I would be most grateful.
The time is {"hour": 5, "minute": 38}
